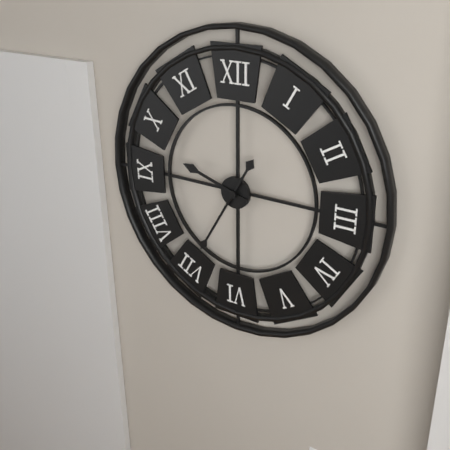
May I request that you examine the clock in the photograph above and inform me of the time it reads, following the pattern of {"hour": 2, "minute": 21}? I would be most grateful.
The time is {"hour": 9, "minute": 35}
